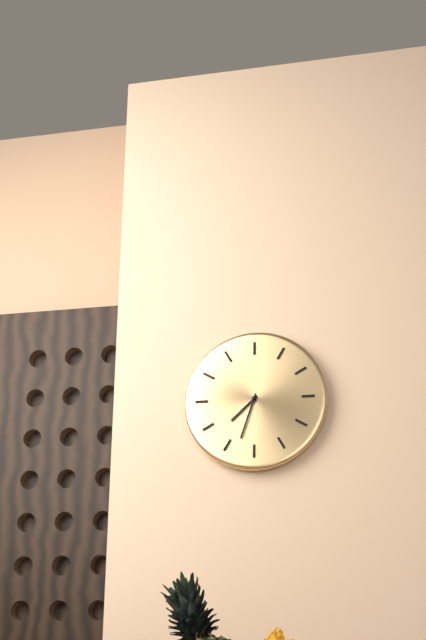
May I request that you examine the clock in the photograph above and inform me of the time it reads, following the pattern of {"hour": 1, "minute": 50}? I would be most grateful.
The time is {"hour": 7, "minute": 33}
